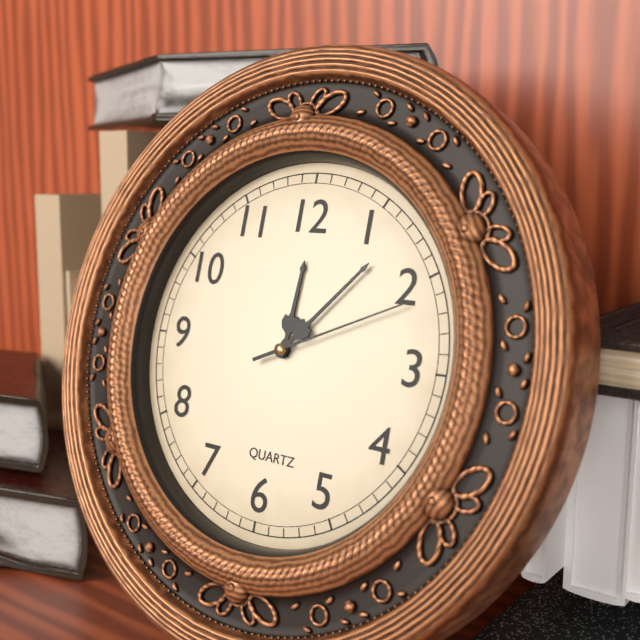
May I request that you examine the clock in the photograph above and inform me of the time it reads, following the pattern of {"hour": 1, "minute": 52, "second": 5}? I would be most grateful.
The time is {"hour": 12, "minute": 7, "second": 11}
